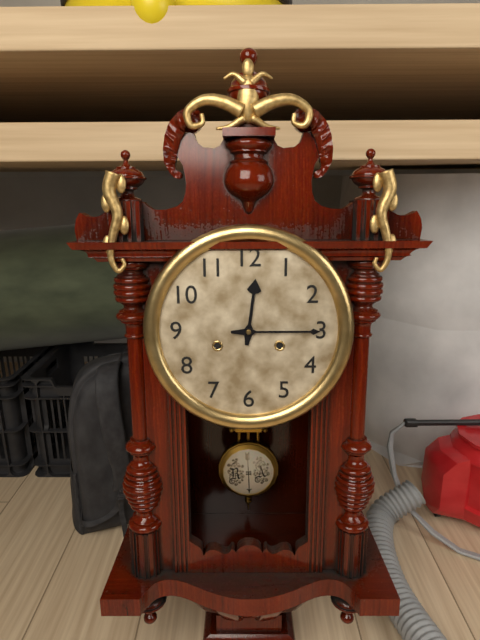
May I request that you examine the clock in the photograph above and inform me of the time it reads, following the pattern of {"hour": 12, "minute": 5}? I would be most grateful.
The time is {"hour": 12, "minute": 15}
